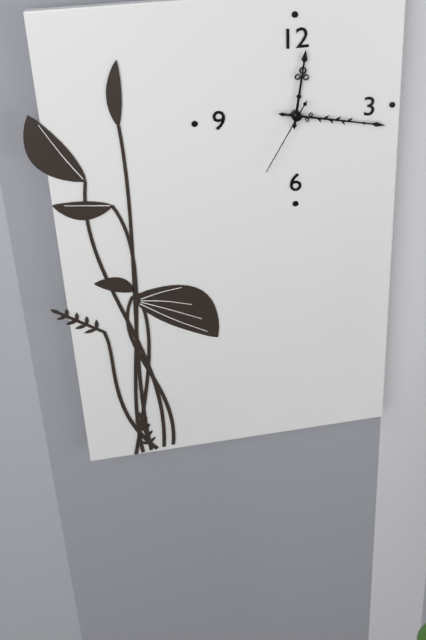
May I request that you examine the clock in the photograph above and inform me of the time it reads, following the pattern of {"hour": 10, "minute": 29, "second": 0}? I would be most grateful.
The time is {"hour": 12, "minute": 17, "second": 35}
